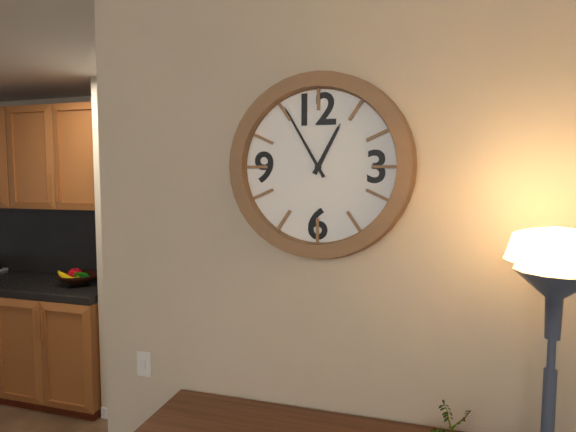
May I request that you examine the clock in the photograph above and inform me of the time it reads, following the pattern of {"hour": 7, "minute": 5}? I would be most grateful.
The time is {"hour": 12, "minute": 55}
